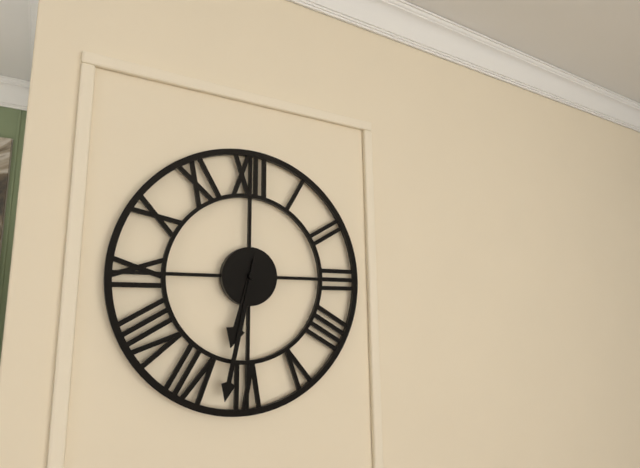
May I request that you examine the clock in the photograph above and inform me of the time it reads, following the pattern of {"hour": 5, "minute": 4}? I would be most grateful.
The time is {"hour": 6, "minute": 32}
